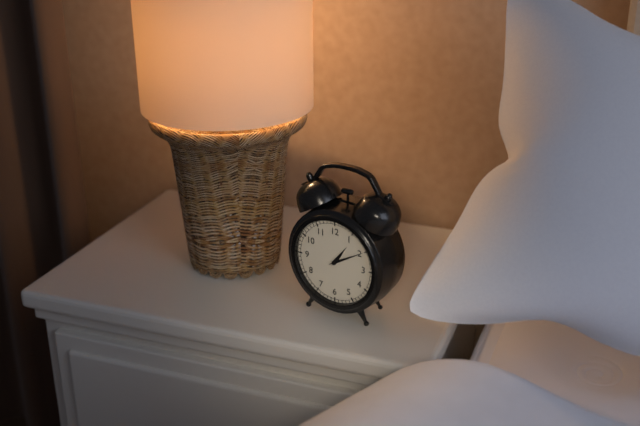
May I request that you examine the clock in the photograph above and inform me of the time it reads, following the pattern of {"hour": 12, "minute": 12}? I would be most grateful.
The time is {"hour": 1, "minute": 10}
